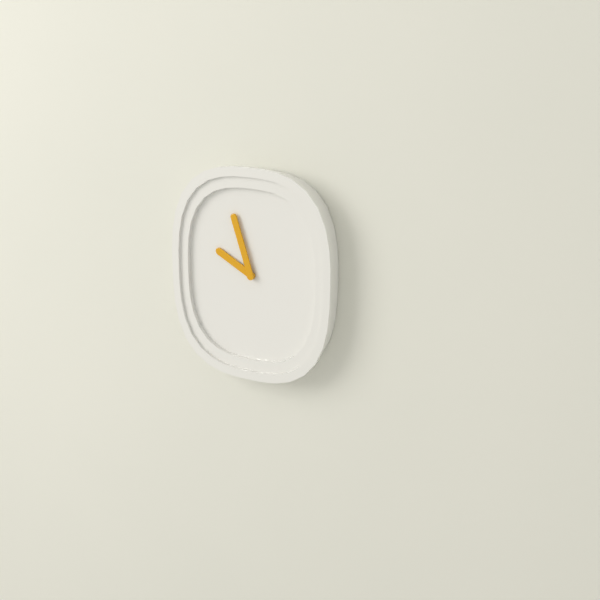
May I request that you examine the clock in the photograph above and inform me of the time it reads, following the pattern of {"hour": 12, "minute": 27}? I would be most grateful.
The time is {"hour": 9, "minute": 57}
